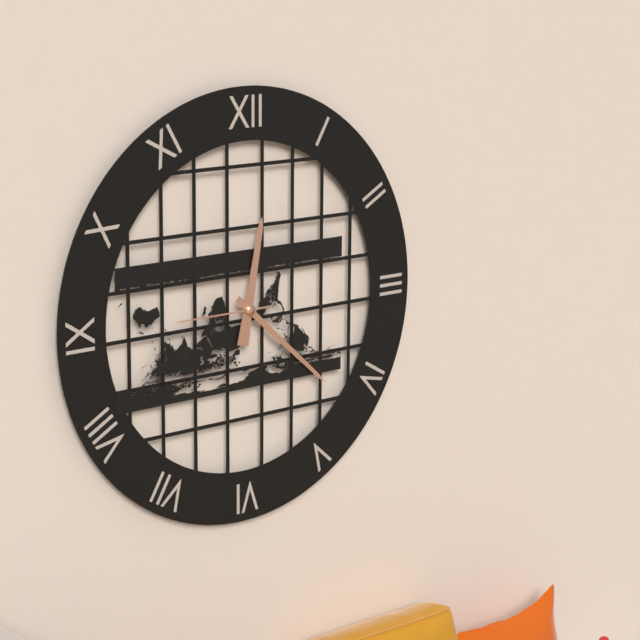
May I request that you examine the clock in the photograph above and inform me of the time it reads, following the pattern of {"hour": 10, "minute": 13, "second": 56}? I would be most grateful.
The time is {"hour": 12, "minute": 22, "second": 45}
